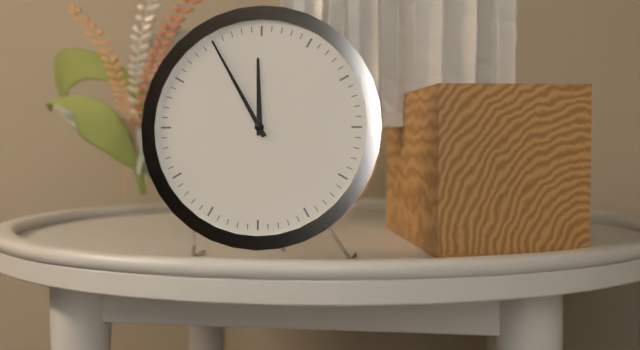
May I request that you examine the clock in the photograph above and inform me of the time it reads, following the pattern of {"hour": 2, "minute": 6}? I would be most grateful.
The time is {"hour": 11, "minute": 55}
